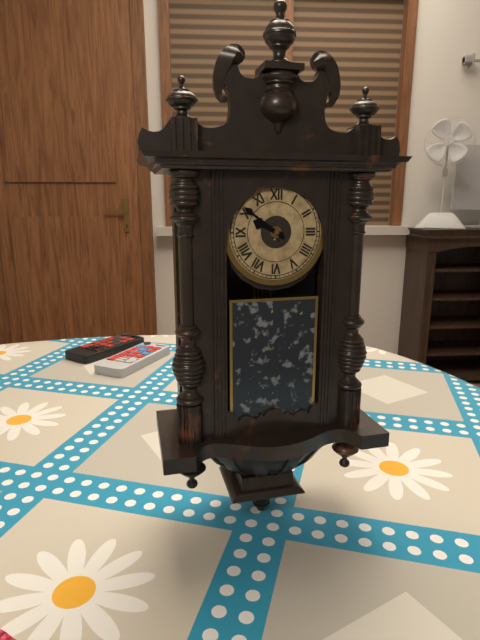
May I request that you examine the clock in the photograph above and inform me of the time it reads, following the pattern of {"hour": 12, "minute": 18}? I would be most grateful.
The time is {"hour": 9, "minute": 51}
